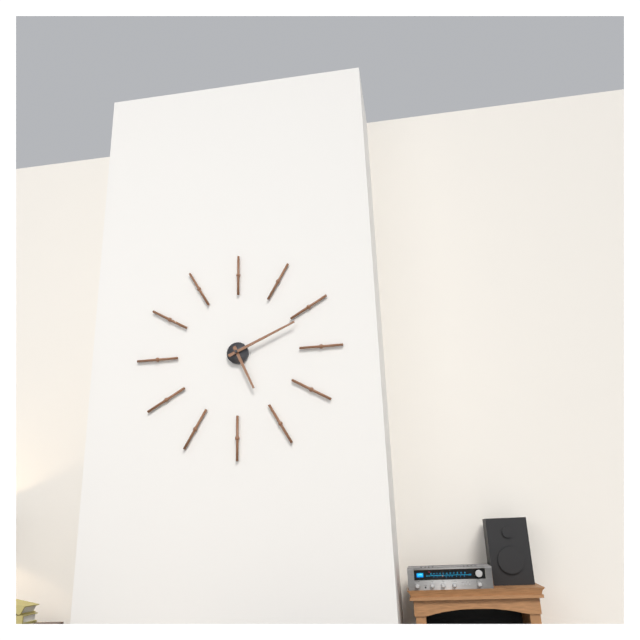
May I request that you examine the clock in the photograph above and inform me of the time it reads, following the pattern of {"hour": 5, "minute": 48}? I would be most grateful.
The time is {"hour": 5, "minute": 11}
